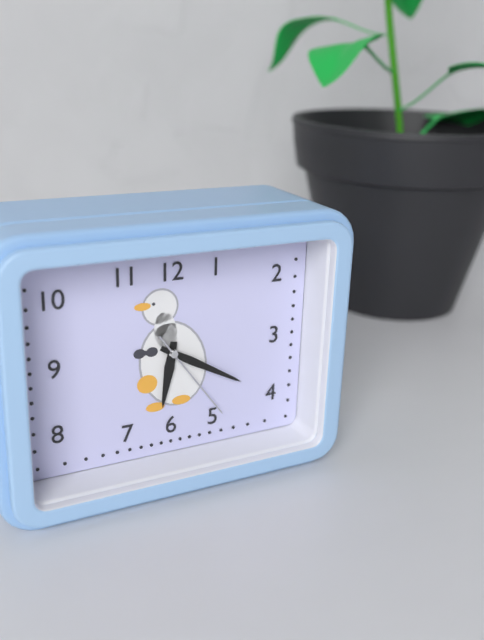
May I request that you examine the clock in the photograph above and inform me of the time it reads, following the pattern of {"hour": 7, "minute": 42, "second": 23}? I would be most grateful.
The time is {"hour": 6, "minute": 20, "second": 24}
